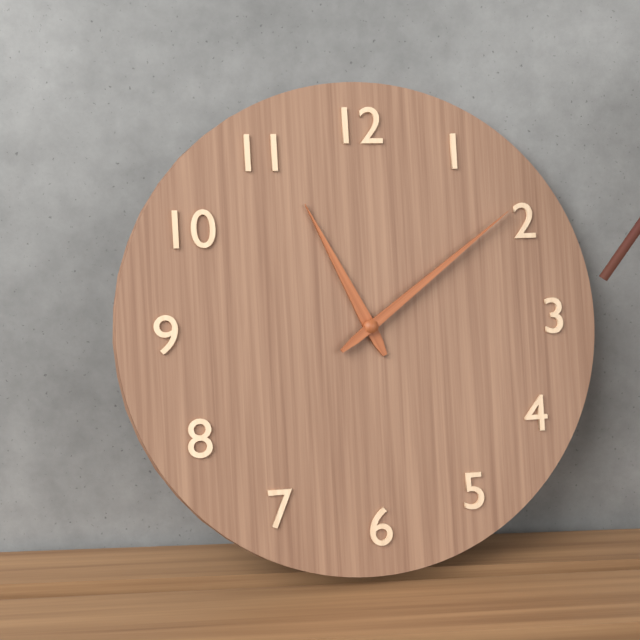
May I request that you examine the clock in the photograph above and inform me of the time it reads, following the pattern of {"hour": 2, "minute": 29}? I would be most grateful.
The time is {"hour": 11, "minute": 9}
